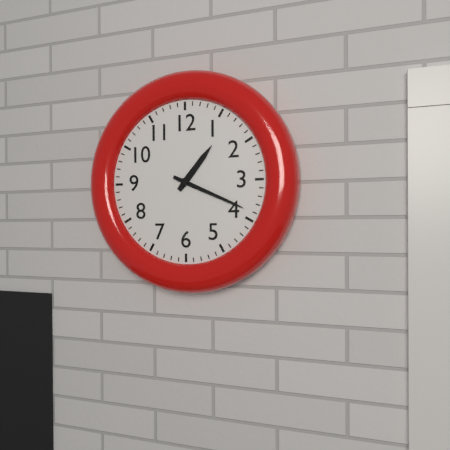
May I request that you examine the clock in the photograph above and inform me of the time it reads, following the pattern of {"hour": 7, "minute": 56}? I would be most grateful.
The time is {"hour": 1, "minute": 19}
